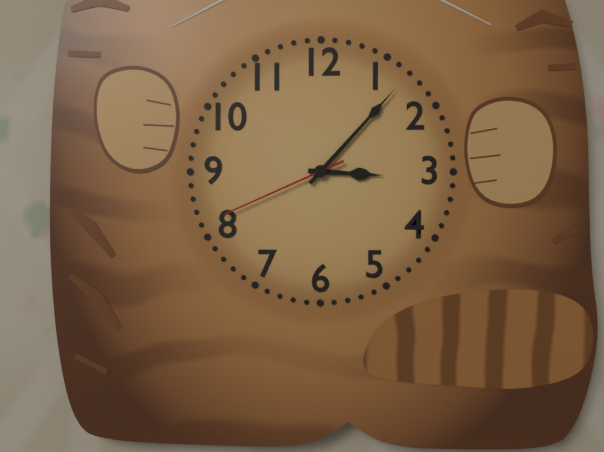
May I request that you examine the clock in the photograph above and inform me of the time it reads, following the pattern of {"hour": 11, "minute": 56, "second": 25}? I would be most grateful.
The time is {"hour": 3, "minute": 7, "second": 41}
